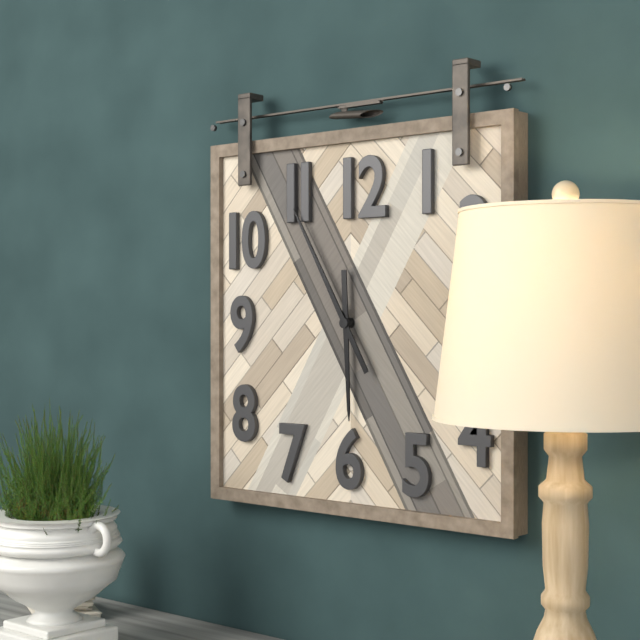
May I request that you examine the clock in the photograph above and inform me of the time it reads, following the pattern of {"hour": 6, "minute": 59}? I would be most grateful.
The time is {"hour": 5, "minute": 55}
